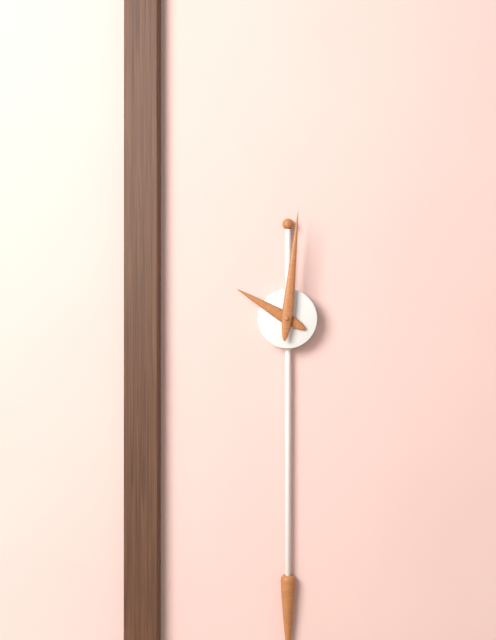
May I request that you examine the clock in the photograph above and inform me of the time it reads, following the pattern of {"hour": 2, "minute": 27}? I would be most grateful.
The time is {"hour": 10, "minute": 1}
